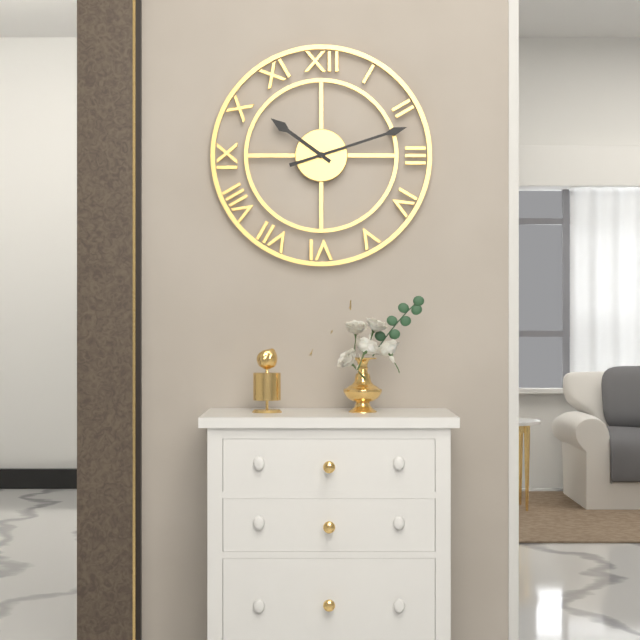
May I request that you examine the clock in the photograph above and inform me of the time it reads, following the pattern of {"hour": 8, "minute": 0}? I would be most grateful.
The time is {"hour": 10, "minute": 12}
